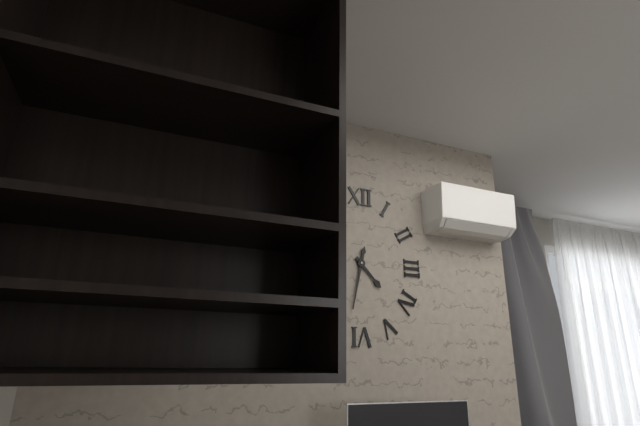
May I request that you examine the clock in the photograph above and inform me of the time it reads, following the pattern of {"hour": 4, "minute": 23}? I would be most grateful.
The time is {"hour": 4, "minute": 32}
